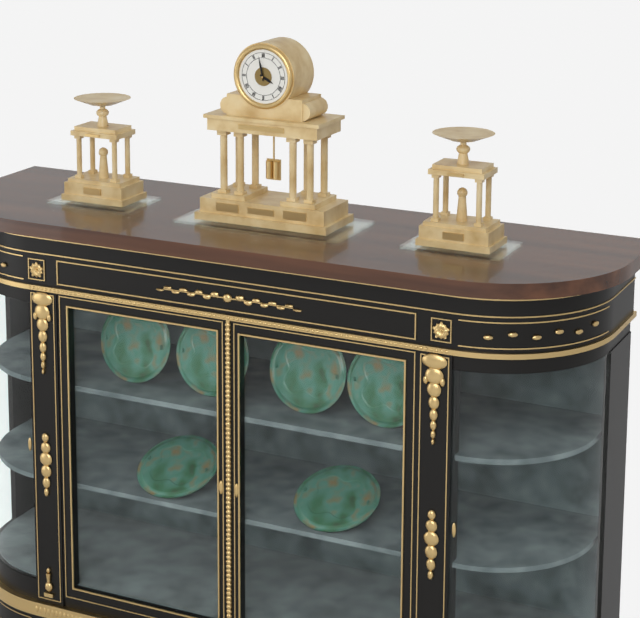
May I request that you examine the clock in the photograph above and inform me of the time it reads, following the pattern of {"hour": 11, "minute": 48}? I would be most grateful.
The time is {"hour": 3, "minute": 58}
